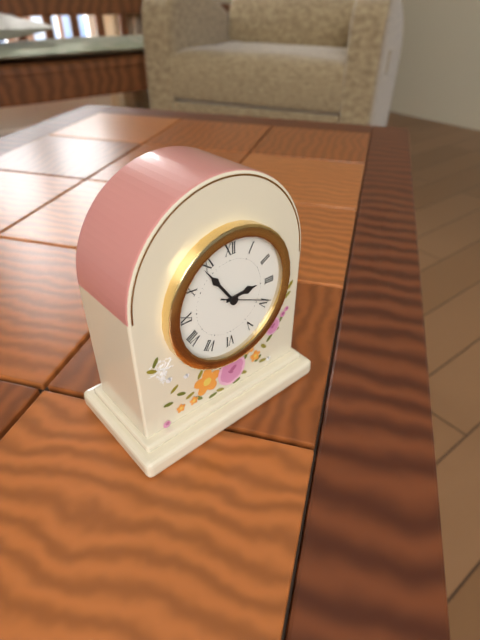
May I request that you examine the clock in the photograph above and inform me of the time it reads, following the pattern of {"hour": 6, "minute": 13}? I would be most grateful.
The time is {"hour": 2, "minute": 54}
